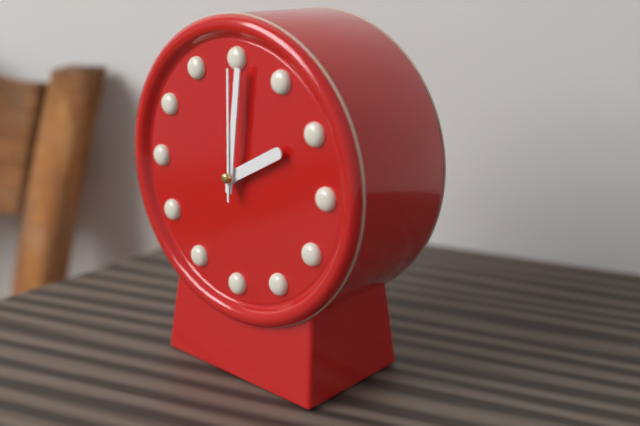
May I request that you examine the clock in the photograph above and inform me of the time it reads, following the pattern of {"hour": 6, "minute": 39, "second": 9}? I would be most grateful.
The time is {"hour": 2, "minute": 1, "second": 0}
